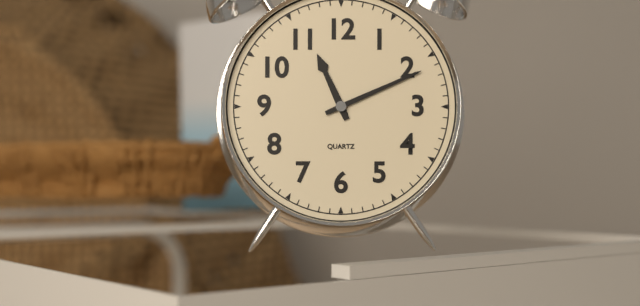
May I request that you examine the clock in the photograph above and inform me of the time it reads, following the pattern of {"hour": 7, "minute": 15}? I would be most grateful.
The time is {"hour": 11, "minute": 11}
